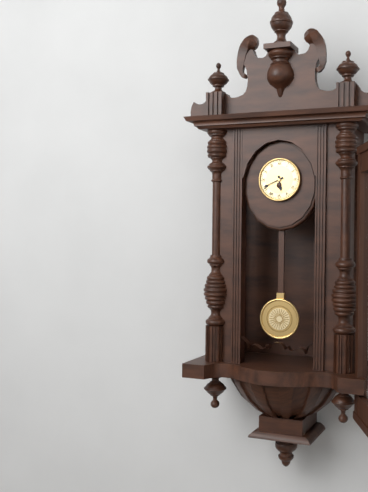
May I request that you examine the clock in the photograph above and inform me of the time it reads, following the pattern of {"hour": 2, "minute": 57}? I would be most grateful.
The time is {"hour": 5, "minute": 41}
